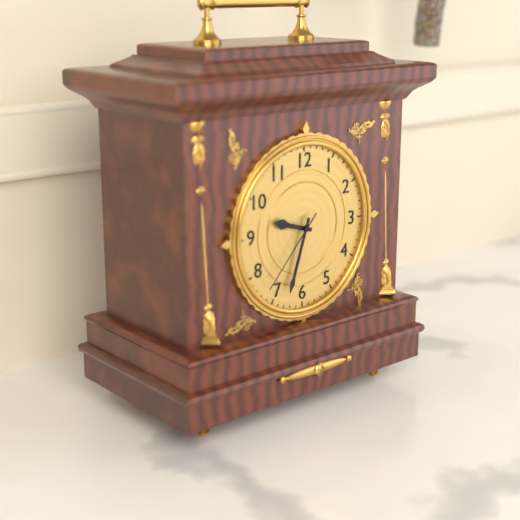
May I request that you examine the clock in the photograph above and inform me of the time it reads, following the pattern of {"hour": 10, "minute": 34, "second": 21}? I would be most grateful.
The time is {"hour": 9, "minute": 33, "second": 37}
